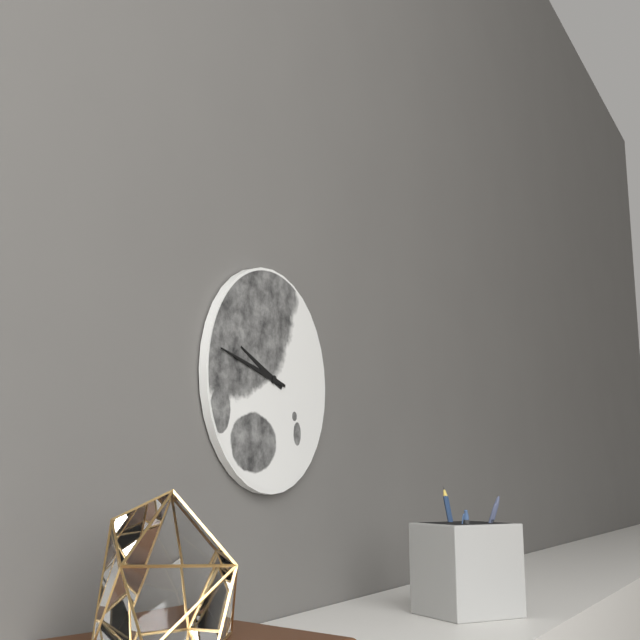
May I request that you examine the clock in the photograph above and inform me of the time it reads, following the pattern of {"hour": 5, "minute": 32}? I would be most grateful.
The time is {"hour": 9, "minute": 47}
